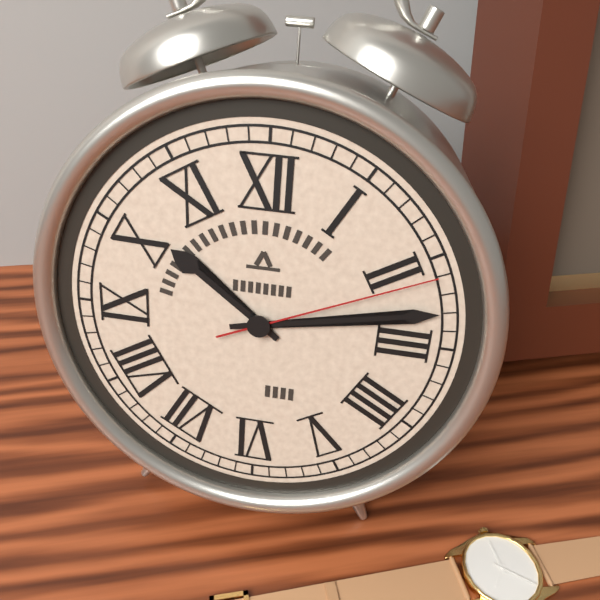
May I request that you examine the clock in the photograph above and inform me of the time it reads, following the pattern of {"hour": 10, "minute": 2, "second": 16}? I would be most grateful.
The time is {"hour": 10, "minute": 13, "second": 11}
